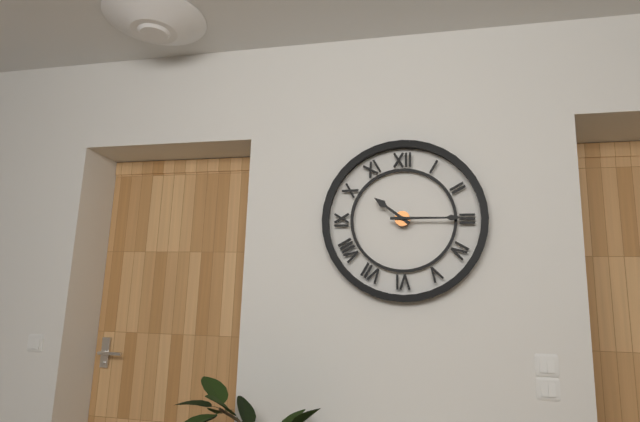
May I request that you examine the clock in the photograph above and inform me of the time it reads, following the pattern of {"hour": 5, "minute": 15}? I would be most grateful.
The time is {"hour": 10, "minute": 15}
